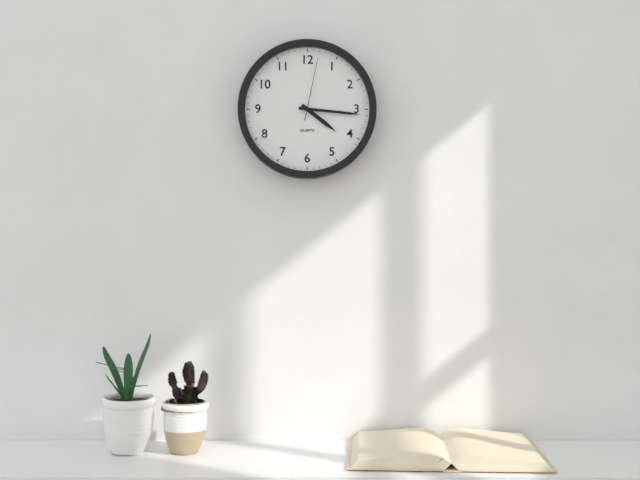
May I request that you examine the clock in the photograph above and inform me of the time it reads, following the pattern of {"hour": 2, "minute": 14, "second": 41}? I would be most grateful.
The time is {"hour": 4, "minute": 16, "second": 2}
